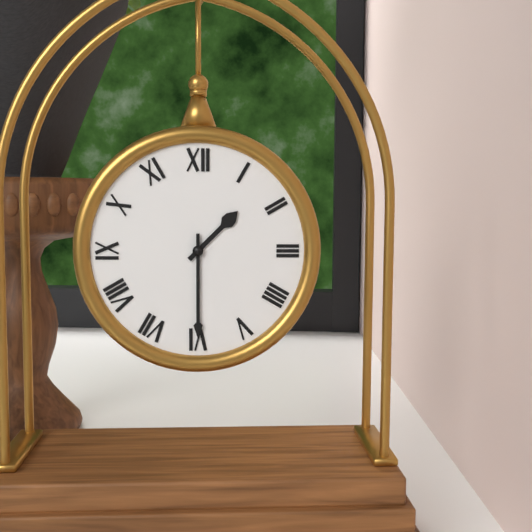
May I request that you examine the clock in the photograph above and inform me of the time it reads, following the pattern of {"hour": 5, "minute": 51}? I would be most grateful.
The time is {"hour": 1, "minute": 30}
